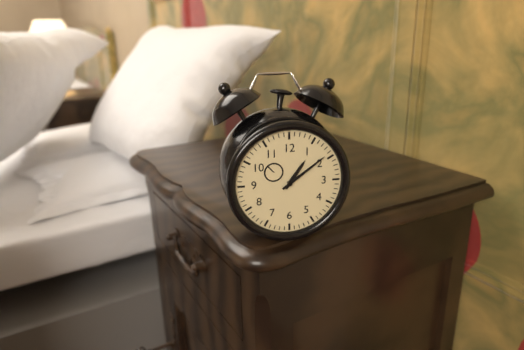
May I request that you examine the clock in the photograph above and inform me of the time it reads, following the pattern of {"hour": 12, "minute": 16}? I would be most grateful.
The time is {"hour": 1, "minute": 9}
